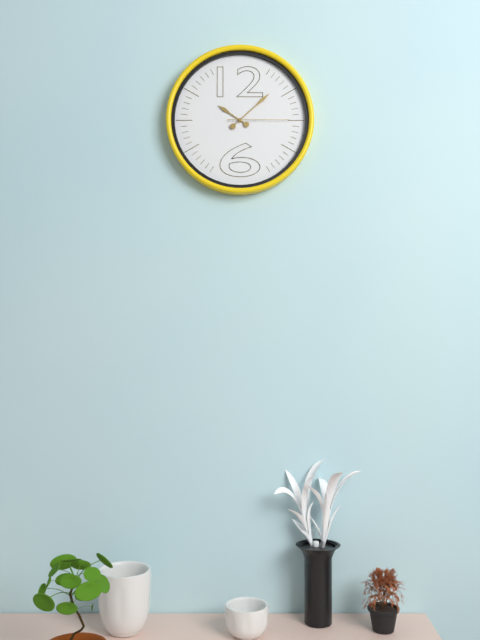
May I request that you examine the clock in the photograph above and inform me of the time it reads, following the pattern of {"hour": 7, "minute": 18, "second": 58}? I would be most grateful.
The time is {"hour": 10, "minute": 8, "second": 15}
